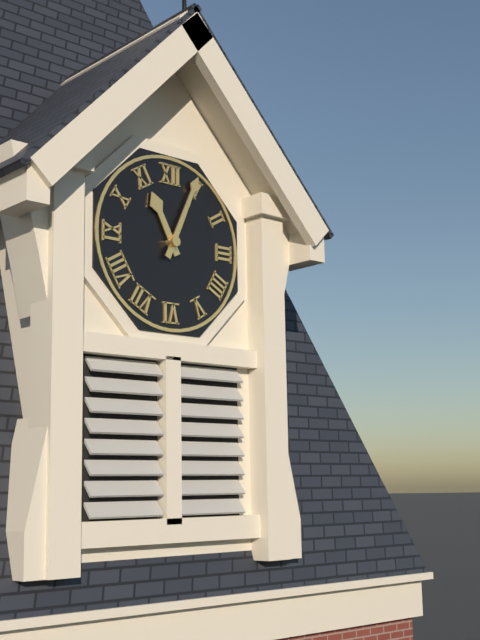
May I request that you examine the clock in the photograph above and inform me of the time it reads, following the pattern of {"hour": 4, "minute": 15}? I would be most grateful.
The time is {"hour": 11, "minute": 4}
